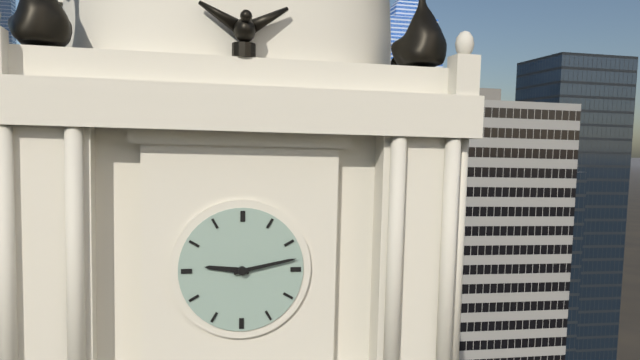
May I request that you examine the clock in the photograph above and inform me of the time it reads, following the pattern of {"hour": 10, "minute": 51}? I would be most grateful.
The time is {"hour": 9, "minute": 13}
